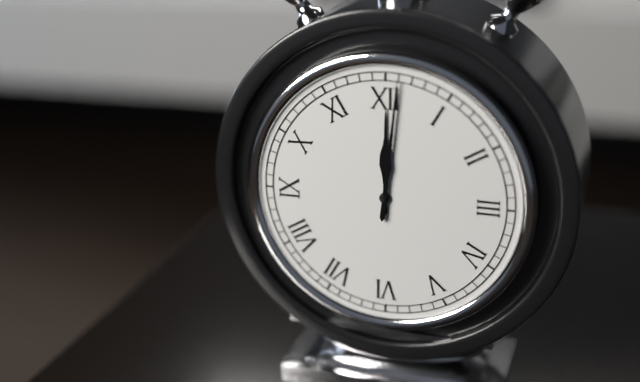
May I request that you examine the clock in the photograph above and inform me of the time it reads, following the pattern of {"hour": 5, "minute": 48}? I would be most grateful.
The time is {"hour": 12, "minute": 1}
